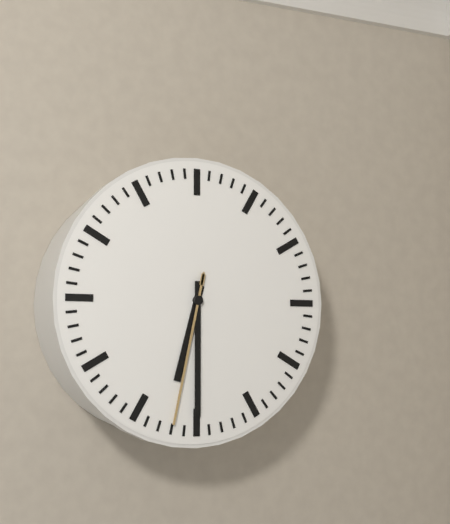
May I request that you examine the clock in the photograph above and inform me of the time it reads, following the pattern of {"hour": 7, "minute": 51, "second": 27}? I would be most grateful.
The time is {"hour": 6, "minute": 30, "second": 32}
